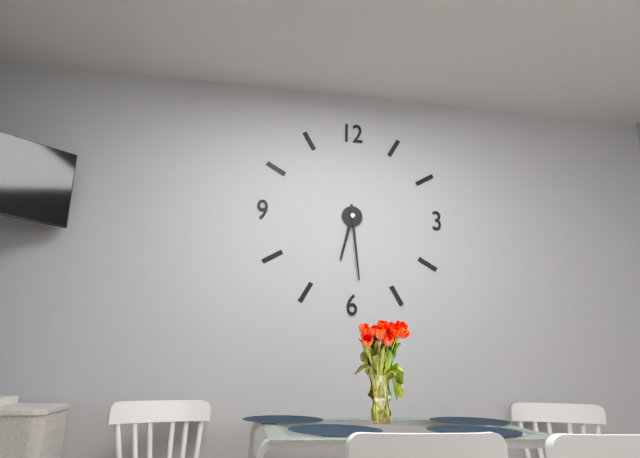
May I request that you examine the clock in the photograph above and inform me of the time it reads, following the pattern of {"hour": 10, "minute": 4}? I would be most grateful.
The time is {"hour": 6, "minute": 29}
